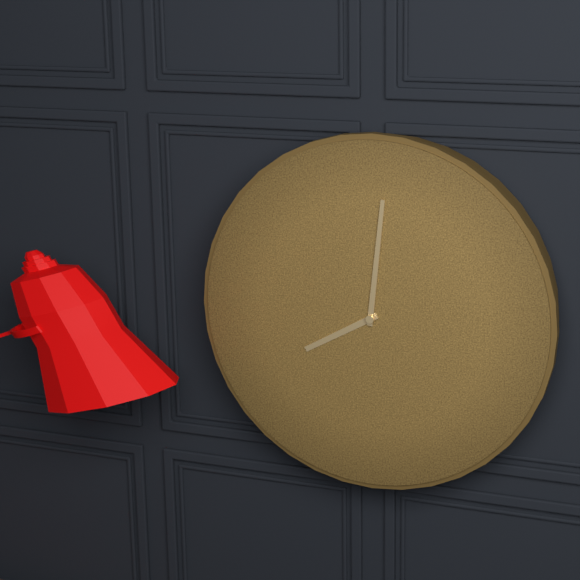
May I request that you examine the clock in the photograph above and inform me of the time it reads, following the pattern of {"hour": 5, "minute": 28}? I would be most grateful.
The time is {"hour": 8, "minute": 1}
